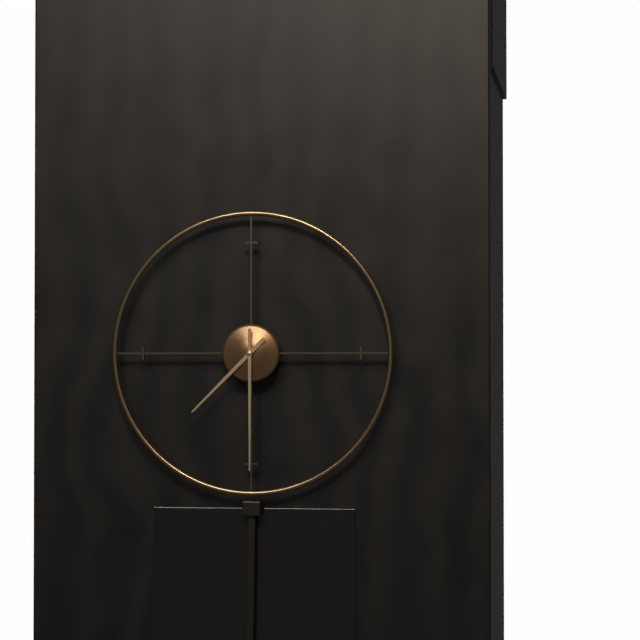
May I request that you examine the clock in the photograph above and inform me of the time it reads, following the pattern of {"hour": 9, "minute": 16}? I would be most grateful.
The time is {"hour": 7, "minute": 30}
